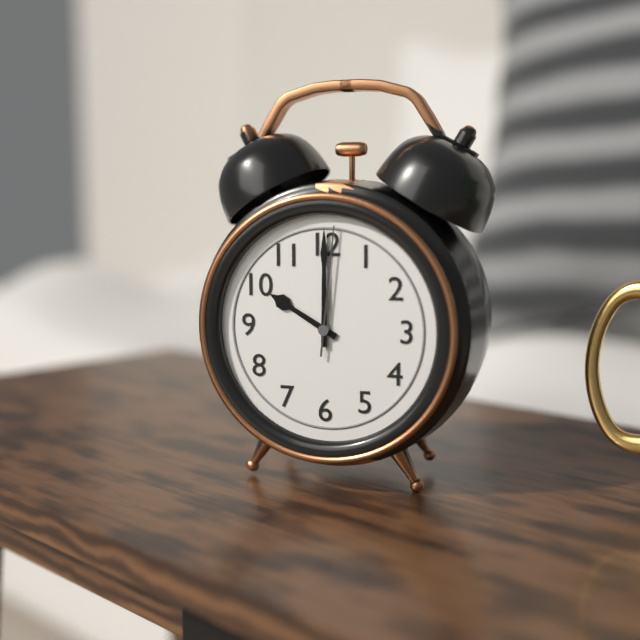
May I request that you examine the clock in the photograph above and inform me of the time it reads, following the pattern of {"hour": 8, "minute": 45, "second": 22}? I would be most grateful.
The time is {"hour": 10, "minute": 0, "second": 1}
